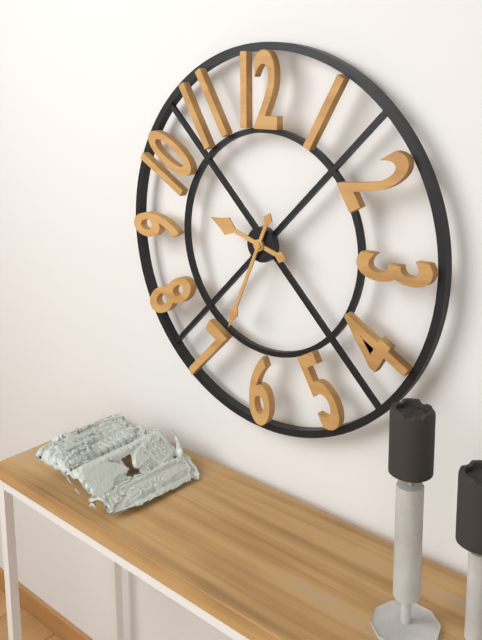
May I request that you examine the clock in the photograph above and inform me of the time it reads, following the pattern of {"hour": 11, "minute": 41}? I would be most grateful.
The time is {"hour": 9, "minute": 34}
